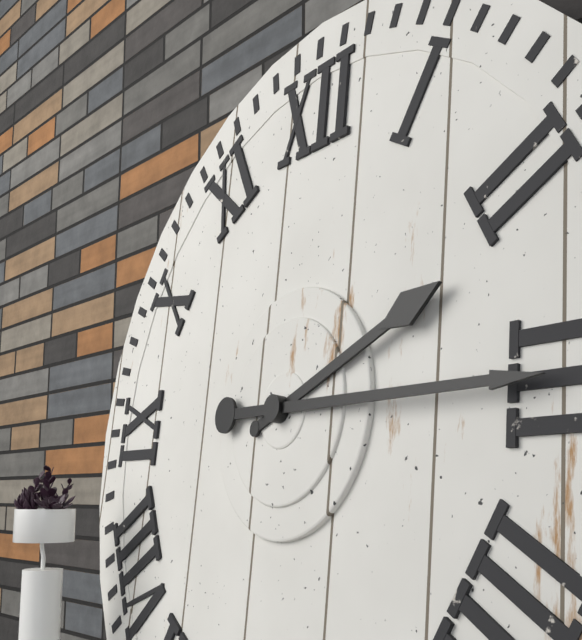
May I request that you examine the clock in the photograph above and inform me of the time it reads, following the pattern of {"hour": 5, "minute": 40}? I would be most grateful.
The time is {"hour": 2, "minute": 15}
